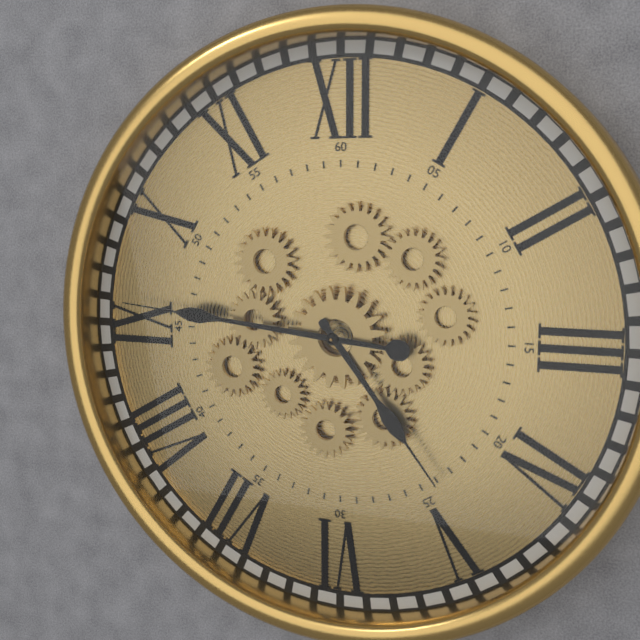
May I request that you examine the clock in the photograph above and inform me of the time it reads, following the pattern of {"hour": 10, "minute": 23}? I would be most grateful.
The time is {"hour": 4, "minute": 46}
